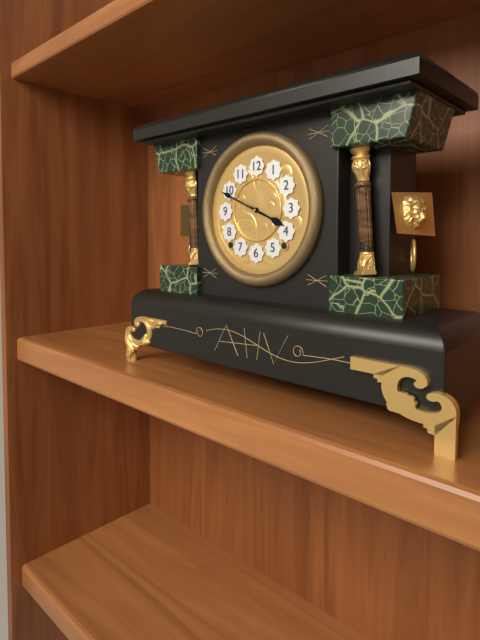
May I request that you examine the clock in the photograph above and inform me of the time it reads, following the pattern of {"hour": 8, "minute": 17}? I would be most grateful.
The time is {"hour": 3, "minute": 49}
